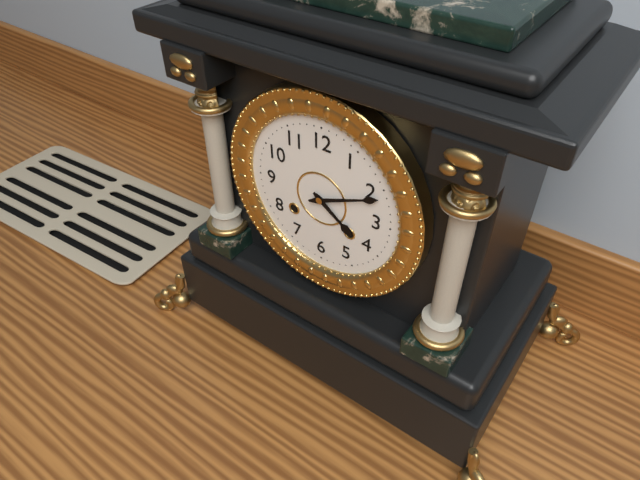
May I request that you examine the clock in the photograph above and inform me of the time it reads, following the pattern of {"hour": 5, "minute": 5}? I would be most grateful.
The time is {"hour": 4, "minute": 11}
